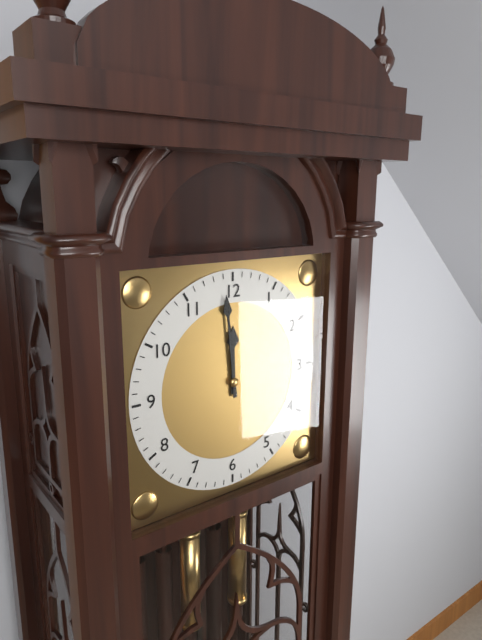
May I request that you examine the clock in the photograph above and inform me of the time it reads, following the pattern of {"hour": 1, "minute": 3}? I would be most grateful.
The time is {"hour": 11, "minute": 59}
